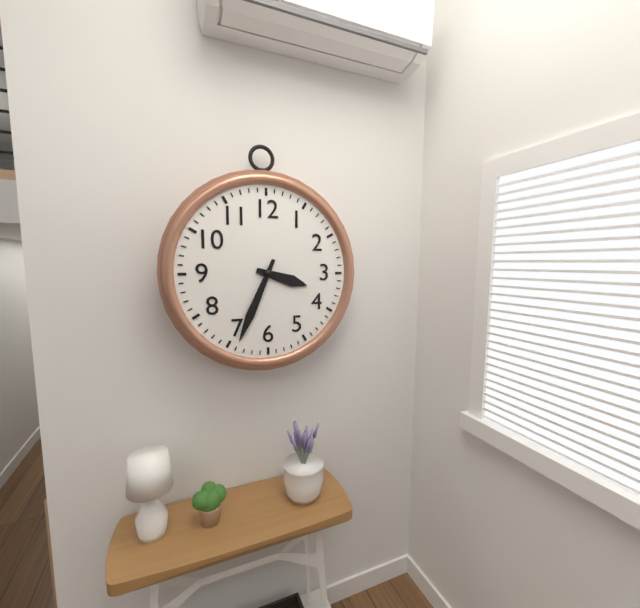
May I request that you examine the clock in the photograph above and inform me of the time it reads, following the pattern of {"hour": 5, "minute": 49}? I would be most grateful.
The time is {"hour": 3, "minute": 34}
